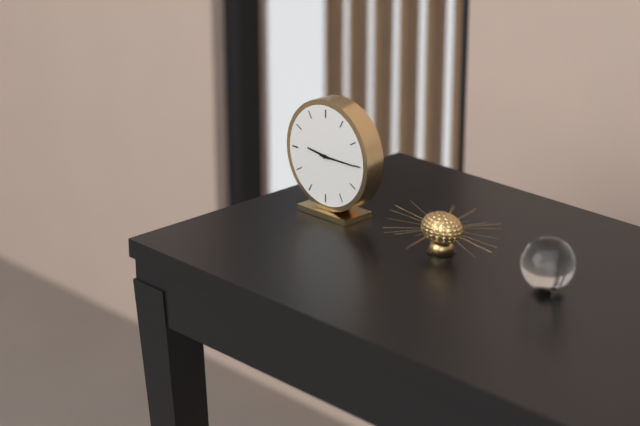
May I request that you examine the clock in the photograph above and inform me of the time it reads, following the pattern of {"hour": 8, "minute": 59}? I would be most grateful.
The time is {"hour": 9, "minute": 15}
